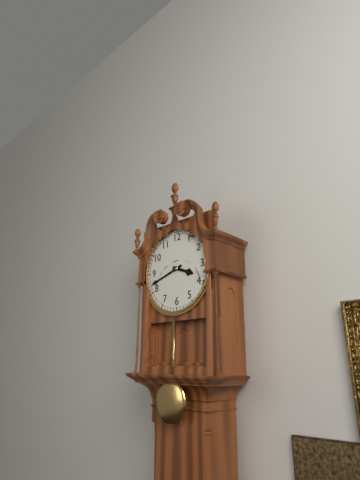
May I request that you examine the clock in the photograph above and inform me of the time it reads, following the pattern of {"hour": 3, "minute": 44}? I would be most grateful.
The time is {"hour": 3, "minute": 42}
